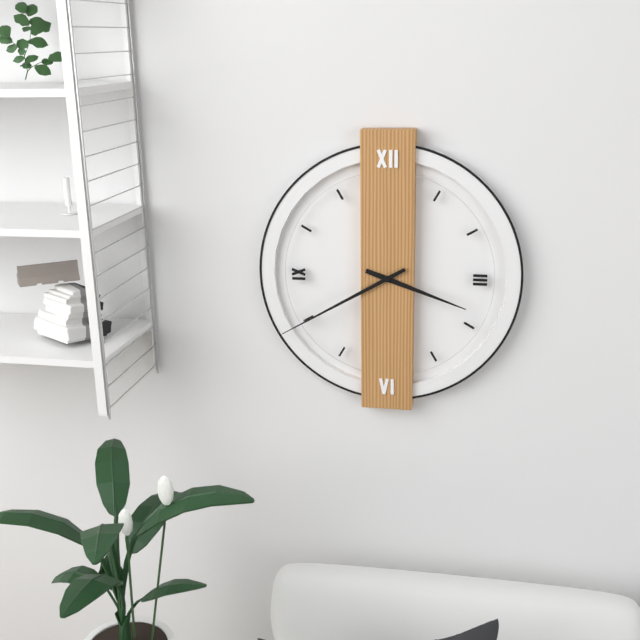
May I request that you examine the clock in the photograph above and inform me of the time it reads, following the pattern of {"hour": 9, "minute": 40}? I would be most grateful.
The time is {"hour": 3, "minute": 40}
